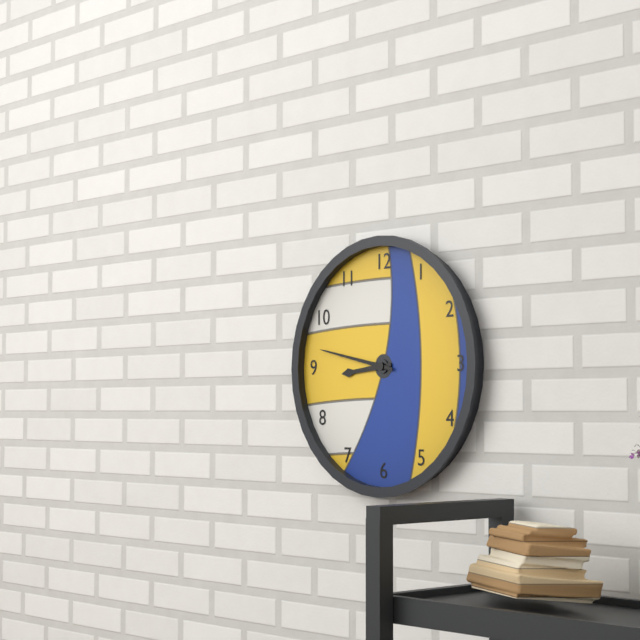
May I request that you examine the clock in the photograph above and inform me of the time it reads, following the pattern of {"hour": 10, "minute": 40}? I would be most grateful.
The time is {"hour": 8, "minute": 47}
